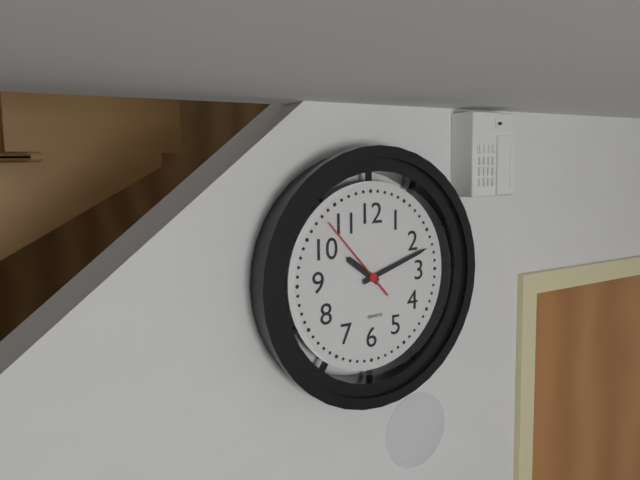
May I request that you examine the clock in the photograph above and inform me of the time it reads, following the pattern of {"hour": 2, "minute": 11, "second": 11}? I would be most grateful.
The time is {"hour": 10, "minute": 12, "second": 53}
